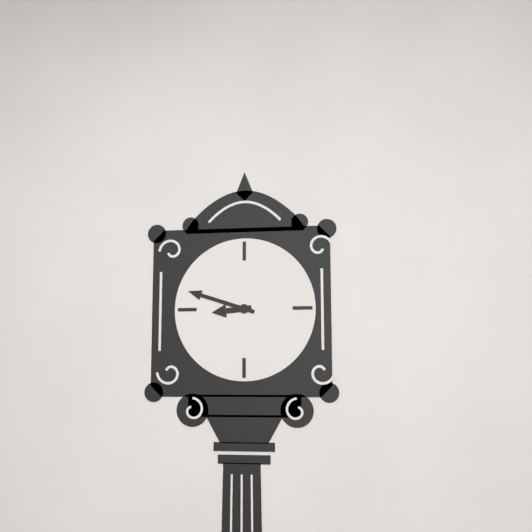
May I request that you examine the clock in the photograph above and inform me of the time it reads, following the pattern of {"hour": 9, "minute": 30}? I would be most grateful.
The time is {"hour": 8, "minute": 48}
